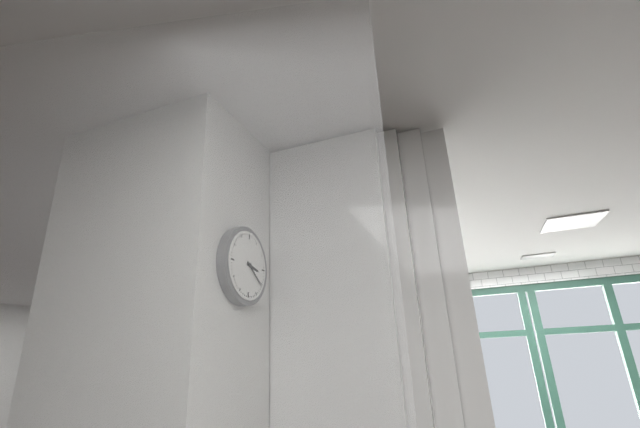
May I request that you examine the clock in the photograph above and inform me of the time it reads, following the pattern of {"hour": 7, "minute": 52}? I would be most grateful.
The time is {"hour": 3, "minute": 21}
